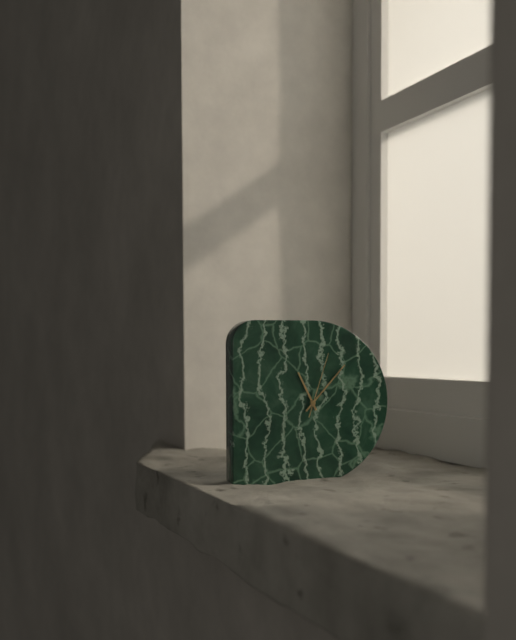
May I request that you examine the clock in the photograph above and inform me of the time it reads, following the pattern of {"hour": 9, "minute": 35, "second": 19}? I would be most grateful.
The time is {"hour": 11, "minute": 7, "second": 3}
